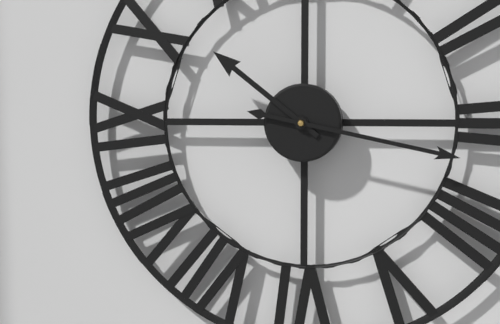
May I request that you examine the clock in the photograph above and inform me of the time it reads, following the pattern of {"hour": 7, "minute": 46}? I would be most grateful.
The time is {"hour": 10, "minute": 17}
